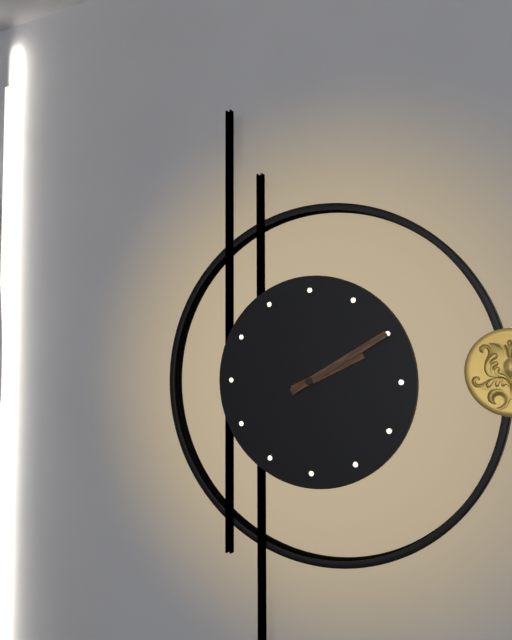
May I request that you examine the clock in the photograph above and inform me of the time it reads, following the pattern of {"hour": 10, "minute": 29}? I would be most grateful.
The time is {"hour": 2, "minute": 10}
